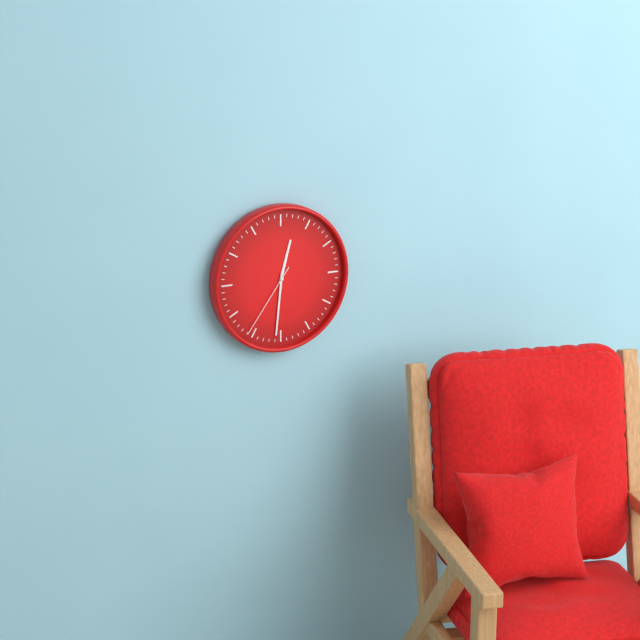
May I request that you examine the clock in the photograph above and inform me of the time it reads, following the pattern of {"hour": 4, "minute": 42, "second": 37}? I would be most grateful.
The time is {"hour": 12, "minute": 31, "second": 36}
